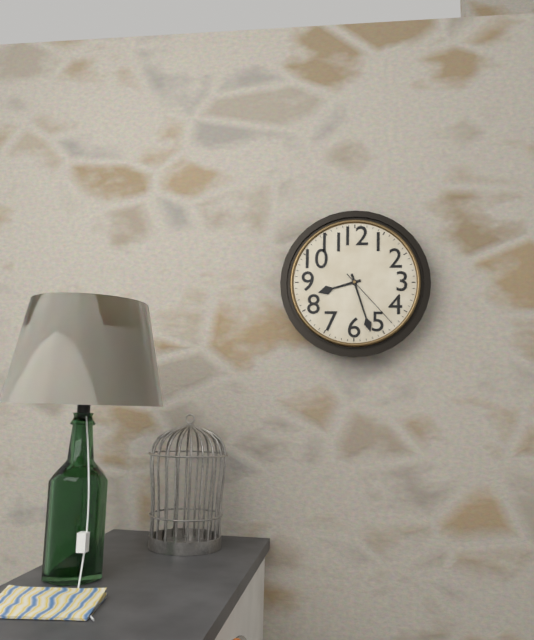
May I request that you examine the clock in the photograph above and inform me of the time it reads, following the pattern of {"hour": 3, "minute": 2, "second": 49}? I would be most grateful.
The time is {"hour": 8, "minute": 27, "second": 23}
